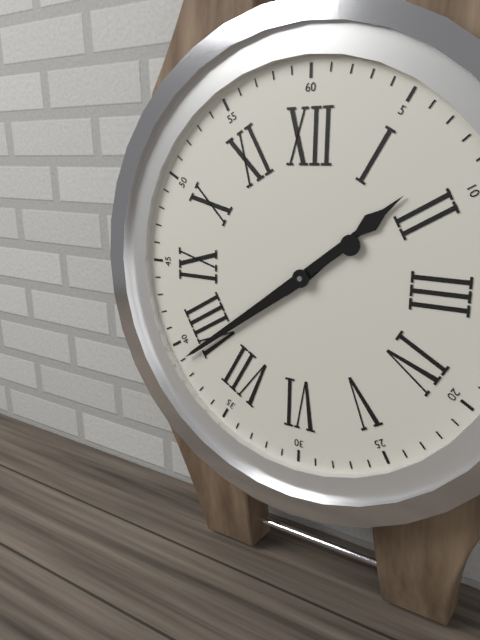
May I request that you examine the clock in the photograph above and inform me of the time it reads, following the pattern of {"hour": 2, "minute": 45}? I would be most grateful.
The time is {"hour": 1, "minute": 39}
